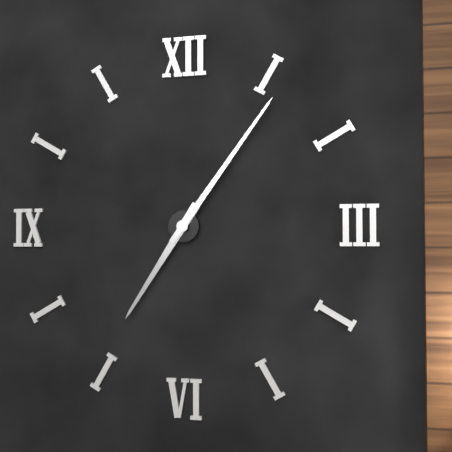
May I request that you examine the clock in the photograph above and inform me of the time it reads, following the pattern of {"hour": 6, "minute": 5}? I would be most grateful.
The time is {"hour": 7, "minute": 6}
